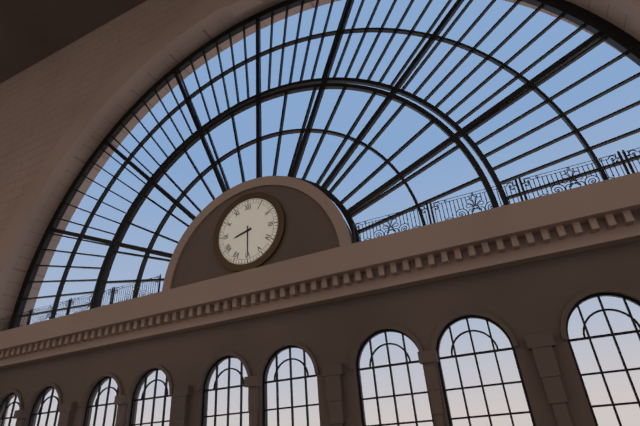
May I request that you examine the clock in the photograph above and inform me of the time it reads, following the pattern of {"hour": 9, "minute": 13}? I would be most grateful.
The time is {"hour": 8, "minute": 30}
